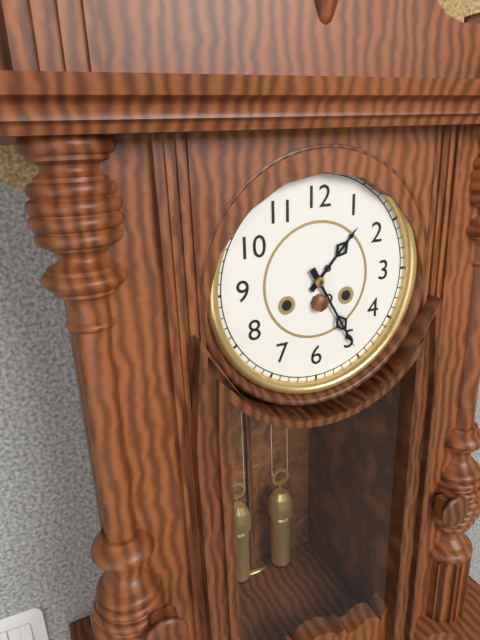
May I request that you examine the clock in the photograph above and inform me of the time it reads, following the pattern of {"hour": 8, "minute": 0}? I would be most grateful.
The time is {"hour": 1, "minute": 25}
